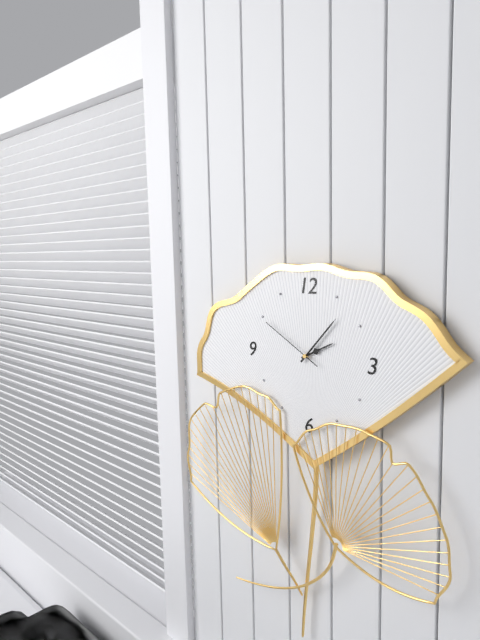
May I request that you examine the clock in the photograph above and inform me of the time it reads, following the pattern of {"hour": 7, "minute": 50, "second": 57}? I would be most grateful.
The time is {"hour": 2, "minute": 7, "second": 50}
